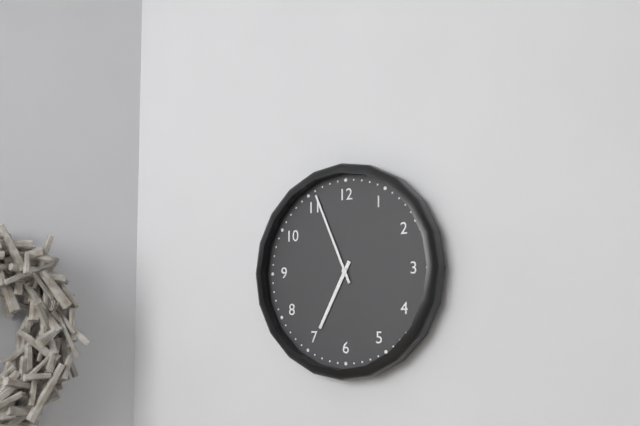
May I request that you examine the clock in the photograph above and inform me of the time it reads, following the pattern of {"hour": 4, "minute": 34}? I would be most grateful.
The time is {"hour": 6, "minute": 56}
